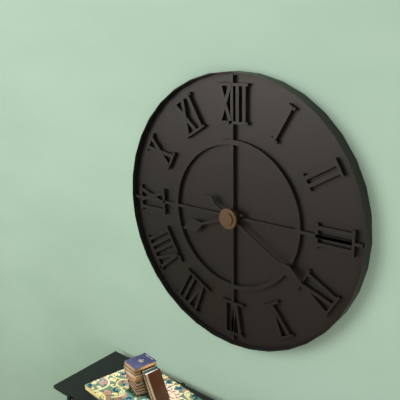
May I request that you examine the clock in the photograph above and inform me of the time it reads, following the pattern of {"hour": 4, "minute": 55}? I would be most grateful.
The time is {"hour": 8, "minute": 20}
